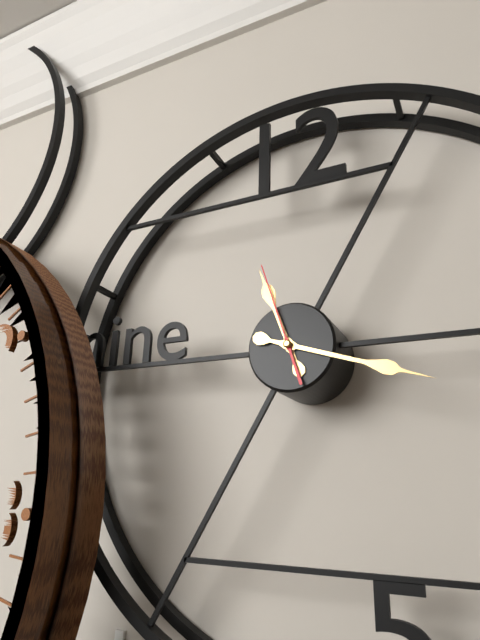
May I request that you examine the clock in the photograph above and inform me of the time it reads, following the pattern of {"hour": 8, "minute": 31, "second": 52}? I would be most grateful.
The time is {"hour": 11, "minute": 18, "second": 57}
